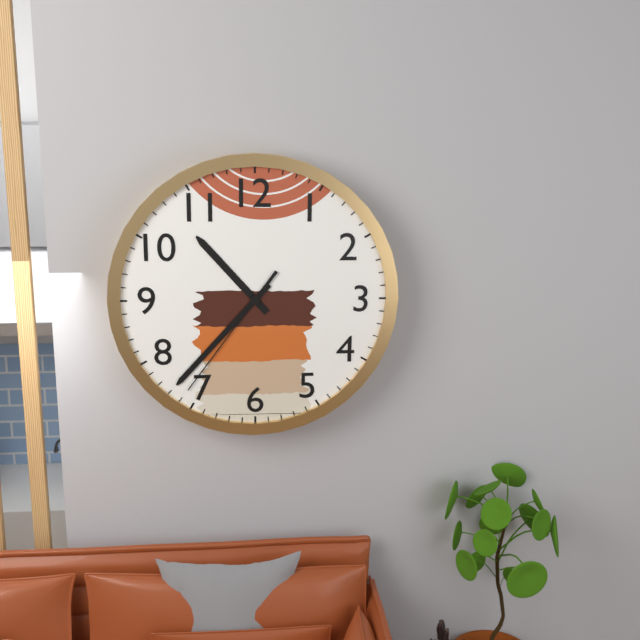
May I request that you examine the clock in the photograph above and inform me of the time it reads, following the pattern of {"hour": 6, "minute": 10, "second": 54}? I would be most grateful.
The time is {"hour": 10, "minute": 37, "second": 36}
